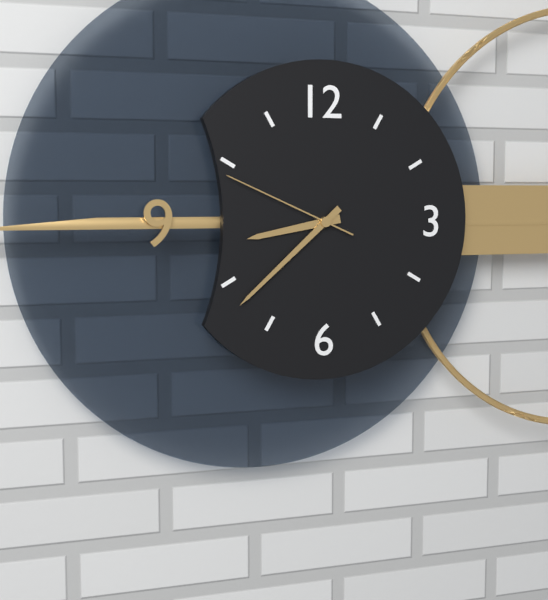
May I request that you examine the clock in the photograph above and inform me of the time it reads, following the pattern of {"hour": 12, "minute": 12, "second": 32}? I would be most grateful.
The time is {"hour": 8, "minute": 38, "second": 49}
